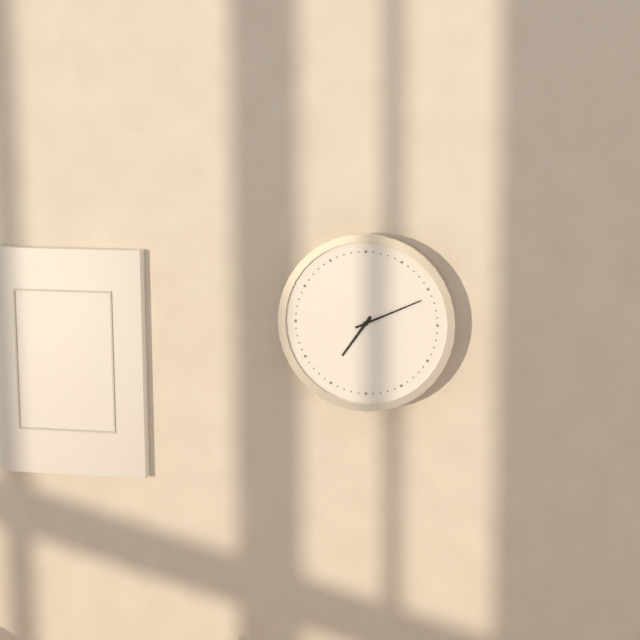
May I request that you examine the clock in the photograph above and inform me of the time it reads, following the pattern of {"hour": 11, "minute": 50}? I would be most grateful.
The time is {"hour": 7, "minute": 11}
